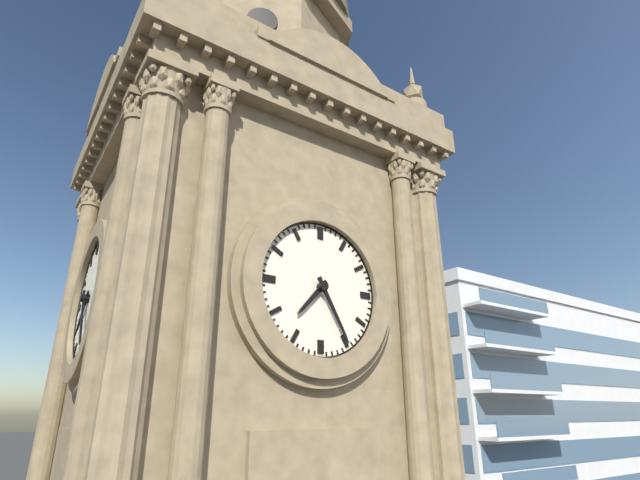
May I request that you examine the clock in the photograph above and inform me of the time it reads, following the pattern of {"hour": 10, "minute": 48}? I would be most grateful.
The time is {"hour": 7, "minute": 25}
